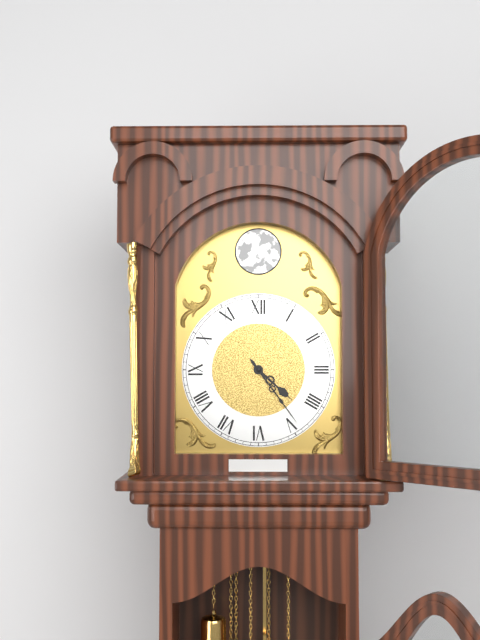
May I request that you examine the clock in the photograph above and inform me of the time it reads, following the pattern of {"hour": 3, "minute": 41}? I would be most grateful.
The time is {"hour": 4, "minute": 24}
